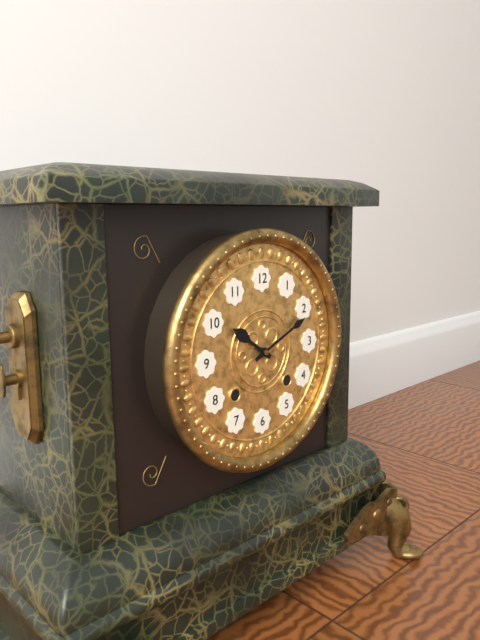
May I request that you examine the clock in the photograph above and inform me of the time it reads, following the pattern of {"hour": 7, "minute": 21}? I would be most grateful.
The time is {"hour": 10, "minute": 11}
